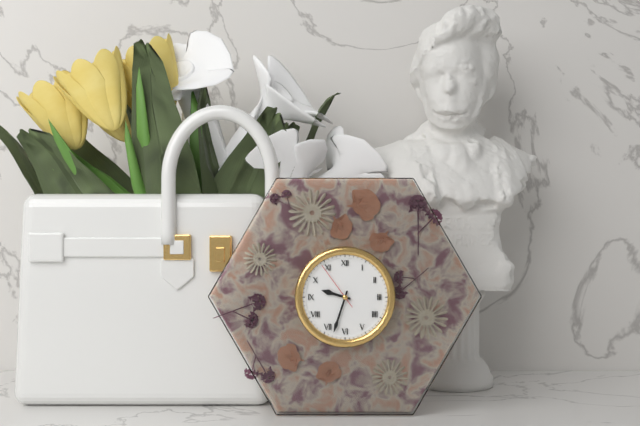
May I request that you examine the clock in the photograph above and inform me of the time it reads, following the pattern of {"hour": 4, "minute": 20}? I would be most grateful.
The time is {"hour": 9, "minute": 33}
